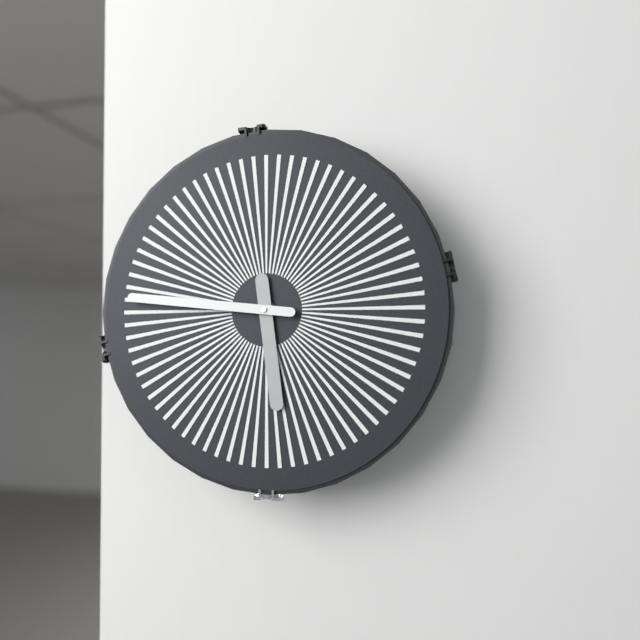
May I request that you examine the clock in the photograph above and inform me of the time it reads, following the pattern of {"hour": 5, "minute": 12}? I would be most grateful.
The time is {"hour": 5, "minute": 46}
